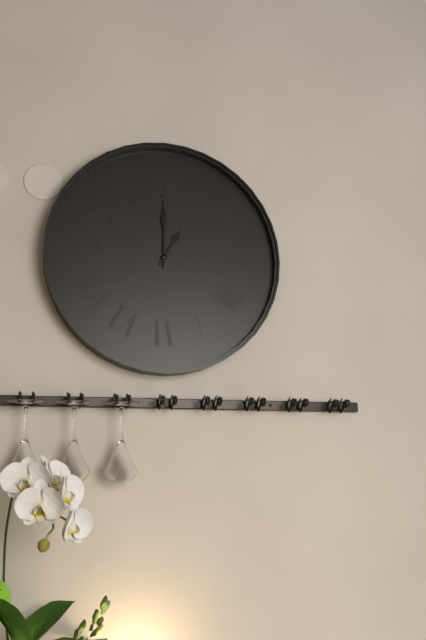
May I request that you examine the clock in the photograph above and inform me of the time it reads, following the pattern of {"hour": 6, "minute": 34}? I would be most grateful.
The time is {"hour": 1, "minute": 0}
